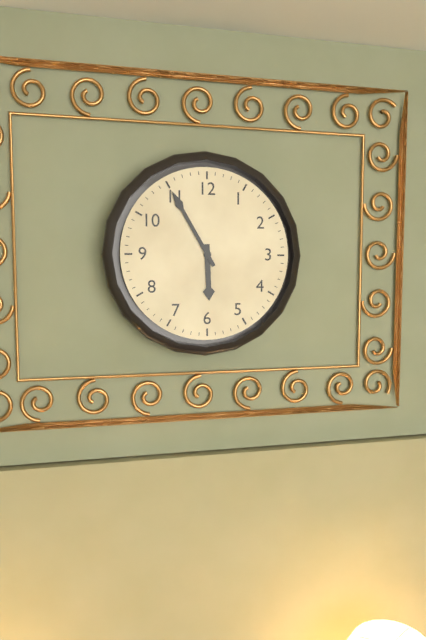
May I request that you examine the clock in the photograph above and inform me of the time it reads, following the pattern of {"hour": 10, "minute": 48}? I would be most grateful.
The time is {"hour": 5, "minute": 55}
